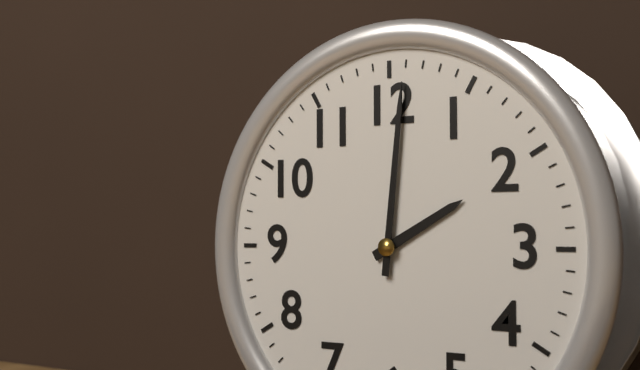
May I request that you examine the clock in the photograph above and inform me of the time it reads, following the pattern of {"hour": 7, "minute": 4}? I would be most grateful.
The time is {"hour": 2, "minute": 1}
